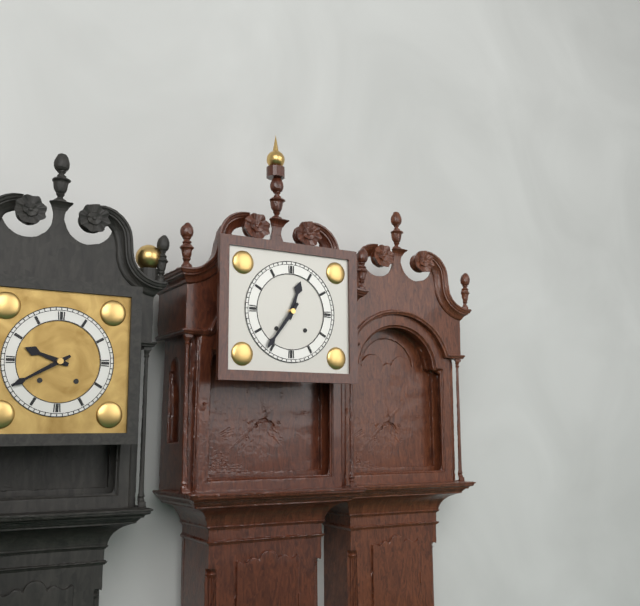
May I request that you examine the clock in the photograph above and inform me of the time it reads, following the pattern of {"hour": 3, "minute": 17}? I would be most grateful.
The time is {"hour": 12, "minute": 36}
